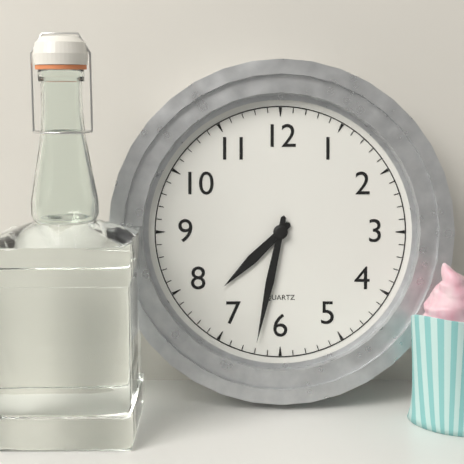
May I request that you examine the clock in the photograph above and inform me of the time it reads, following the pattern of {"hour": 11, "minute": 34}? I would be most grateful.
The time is {"hour": 7, "minute": 32}
